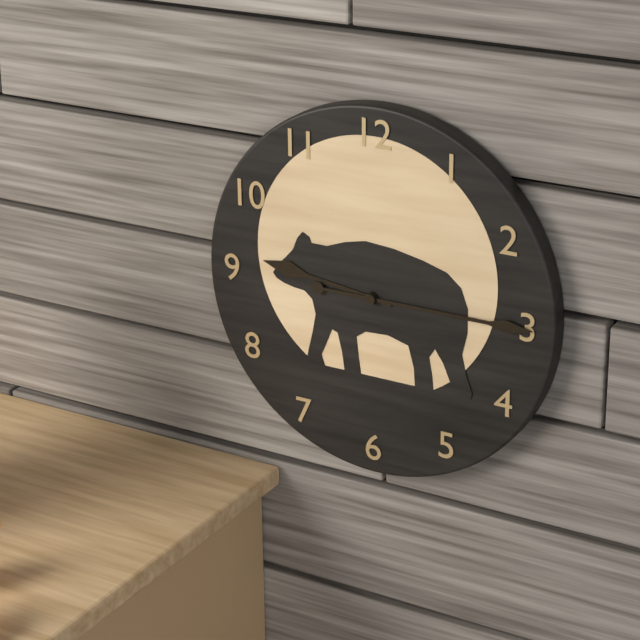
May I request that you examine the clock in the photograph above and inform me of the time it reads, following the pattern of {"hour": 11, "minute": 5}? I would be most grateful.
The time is {"hour": 9, "minute": 15}
